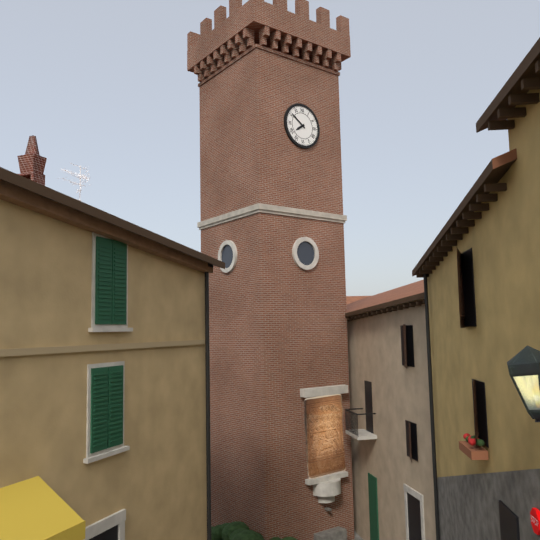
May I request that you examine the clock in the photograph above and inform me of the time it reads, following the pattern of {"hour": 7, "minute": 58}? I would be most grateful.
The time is {"hour": 7, "minute": 51}
